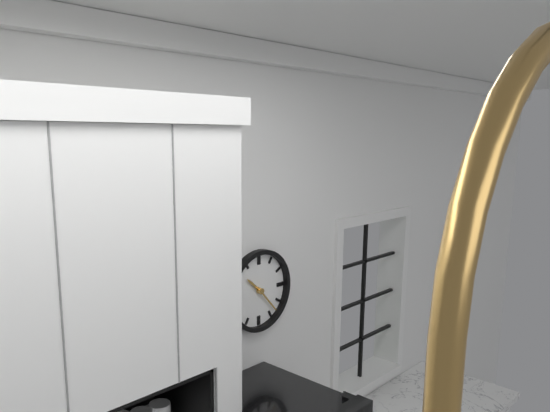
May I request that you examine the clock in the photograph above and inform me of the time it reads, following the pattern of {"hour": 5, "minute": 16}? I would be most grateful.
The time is {"hour": 10, "minute": 23}
